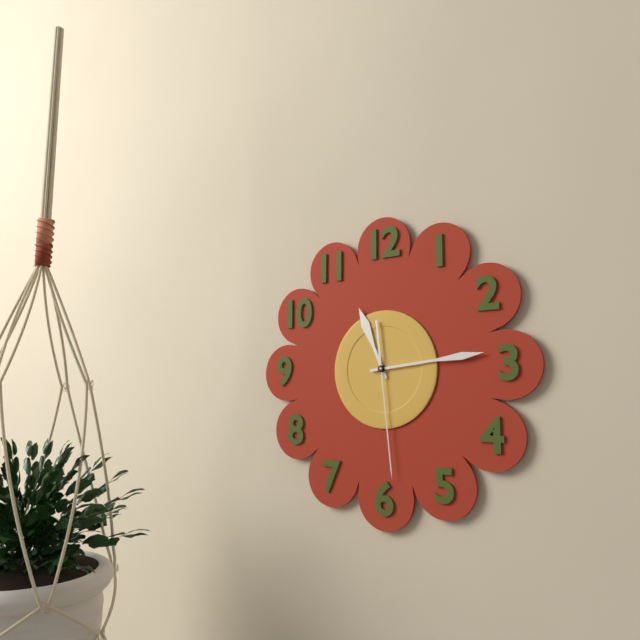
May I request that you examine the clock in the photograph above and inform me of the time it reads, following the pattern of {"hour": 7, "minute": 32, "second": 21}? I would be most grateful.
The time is {"hour": 11, "minute": 14, "second": 29}
